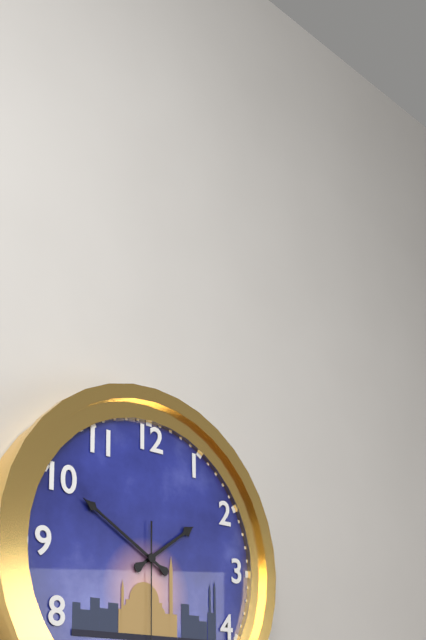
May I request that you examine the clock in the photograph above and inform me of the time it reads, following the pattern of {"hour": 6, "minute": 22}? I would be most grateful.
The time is {"hour": 1, "minute": 50}
